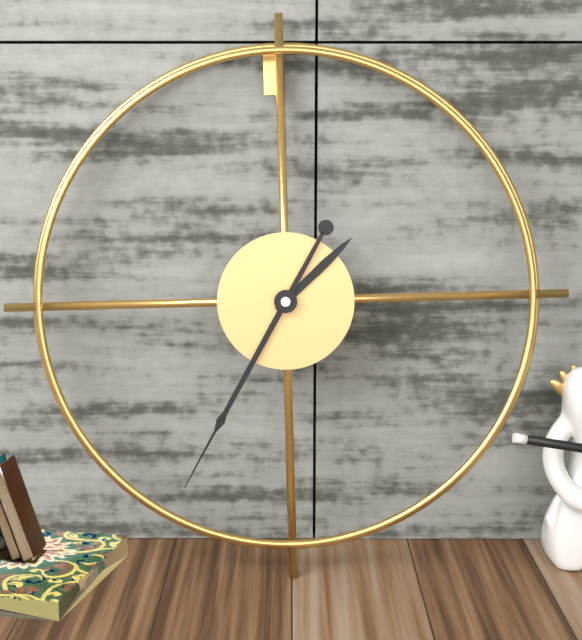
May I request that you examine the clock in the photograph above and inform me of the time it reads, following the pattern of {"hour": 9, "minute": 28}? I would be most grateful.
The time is {"hour": 1, "minute": 35}
